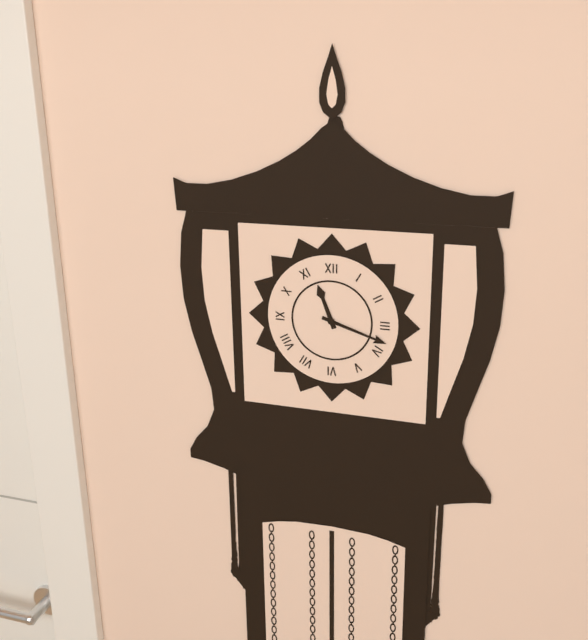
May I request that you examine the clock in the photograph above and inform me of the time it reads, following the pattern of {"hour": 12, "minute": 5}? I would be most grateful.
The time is {"hour": 11, "minute": 18}
